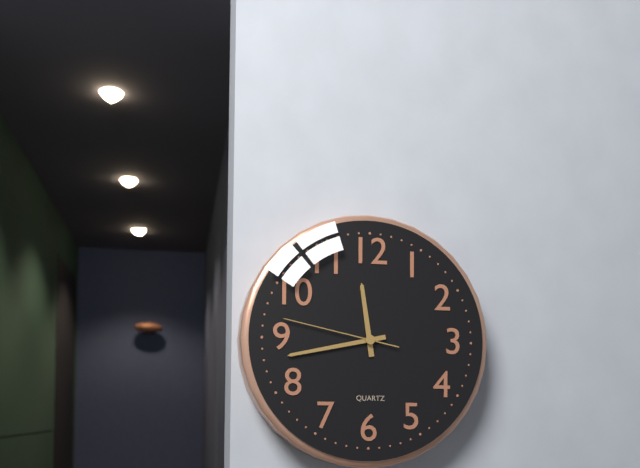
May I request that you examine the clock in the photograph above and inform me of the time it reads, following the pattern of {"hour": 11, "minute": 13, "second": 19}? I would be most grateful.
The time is {"hour": 11, "minute": 43, "second": 47}
